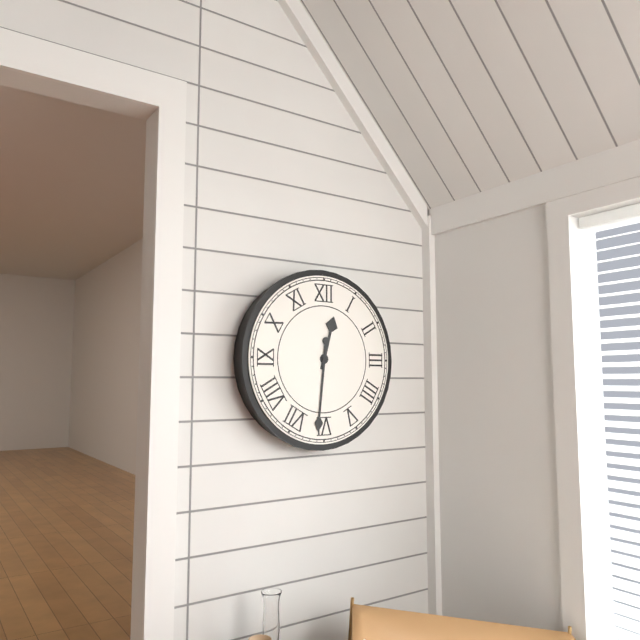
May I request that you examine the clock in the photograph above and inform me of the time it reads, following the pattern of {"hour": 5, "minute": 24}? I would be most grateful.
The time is {"hour": 12, "minute": 31}
